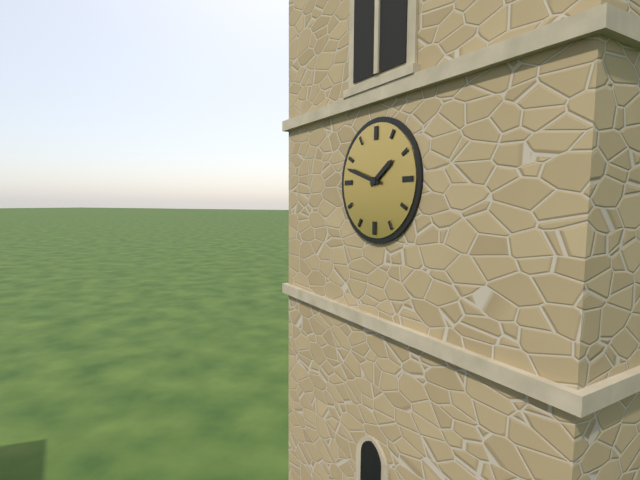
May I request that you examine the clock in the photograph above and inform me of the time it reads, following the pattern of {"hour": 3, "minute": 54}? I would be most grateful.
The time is {"hour": 1, "minute": 48}
